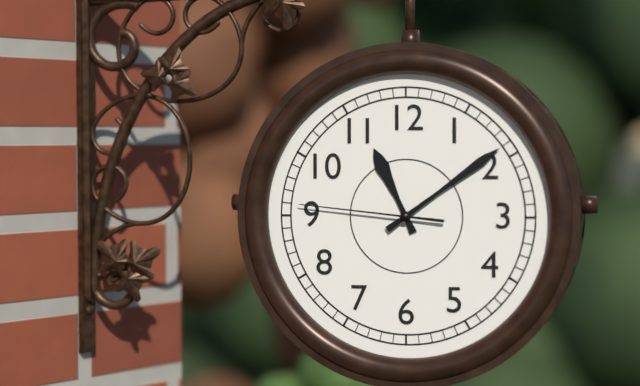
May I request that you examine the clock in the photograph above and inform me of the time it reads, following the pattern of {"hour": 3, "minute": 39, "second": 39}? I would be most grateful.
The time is {"hour": 11, "minute": 9, "second": 46}
